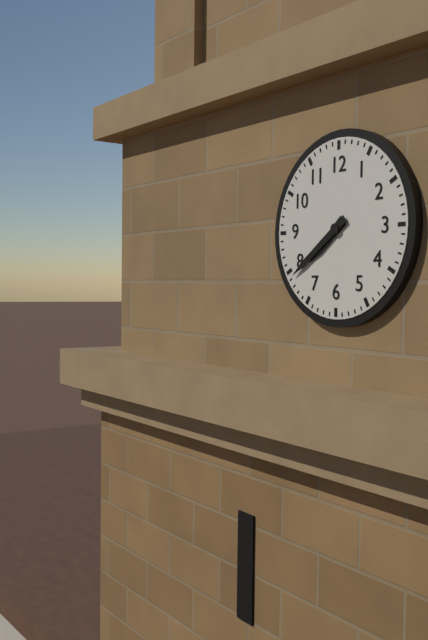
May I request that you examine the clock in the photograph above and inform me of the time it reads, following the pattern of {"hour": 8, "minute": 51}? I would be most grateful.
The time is {"hour": 7, "minute": 39}
